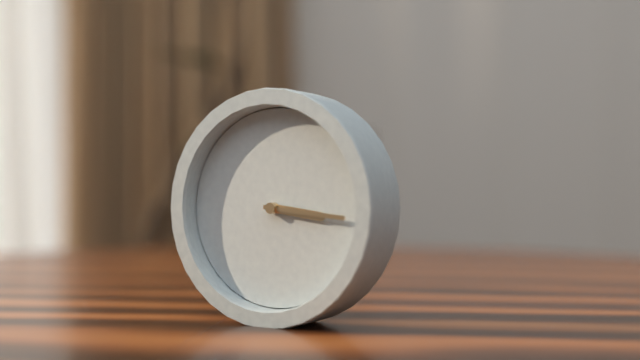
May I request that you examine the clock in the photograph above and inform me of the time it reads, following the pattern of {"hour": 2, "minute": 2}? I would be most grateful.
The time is {"hour": 3, "minute": 16}
